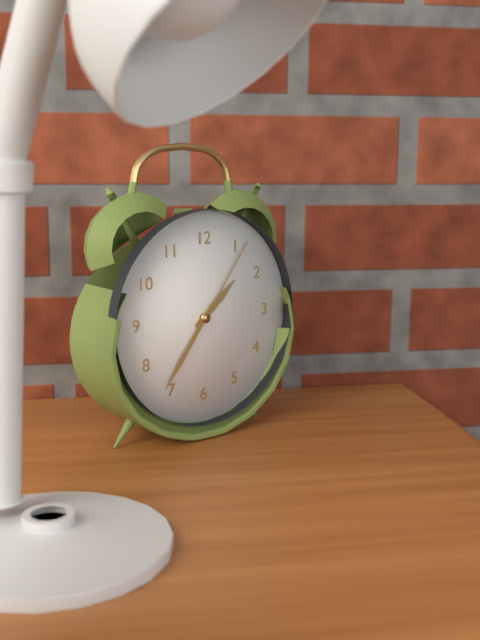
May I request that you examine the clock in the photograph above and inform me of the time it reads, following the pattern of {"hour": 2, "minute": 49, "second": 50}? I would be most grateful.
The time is {"hour": 1, "minute": 36, "second": 6}
